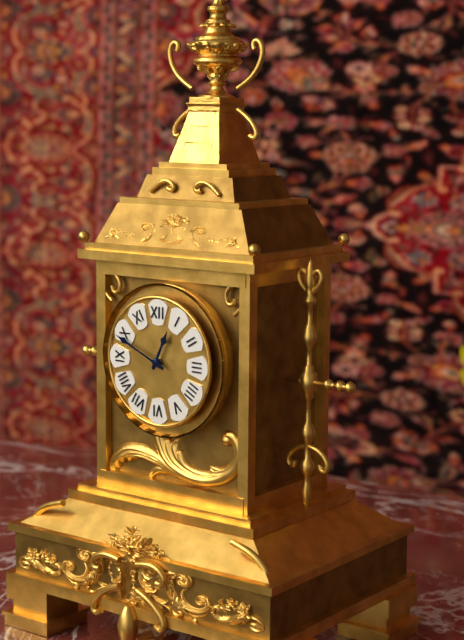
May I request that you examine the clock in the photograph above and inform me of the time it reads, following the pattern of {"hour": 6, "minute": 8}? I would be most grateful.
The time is {"hour": 12, "minute": 49}
